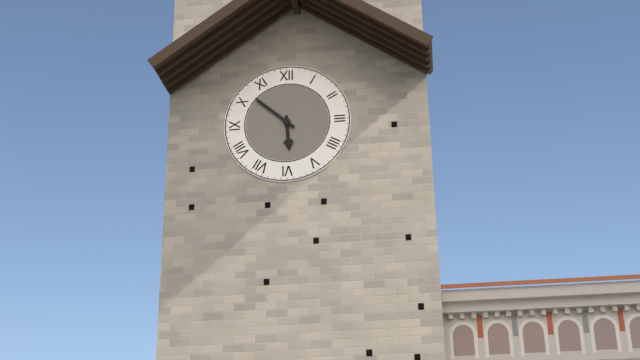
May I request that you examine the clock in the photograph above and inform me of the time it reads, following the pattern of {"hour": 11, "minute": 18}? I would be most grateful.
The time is {"hour": 5, "minute": 52}
